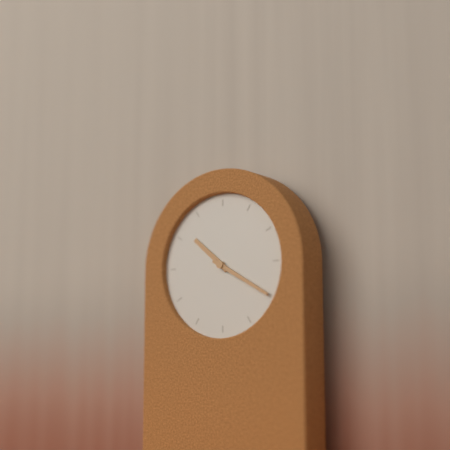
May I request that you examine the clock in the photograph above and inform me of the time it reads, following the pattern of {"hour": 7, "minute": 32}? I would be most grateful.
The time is {"hour": 10, "minute": 20}
